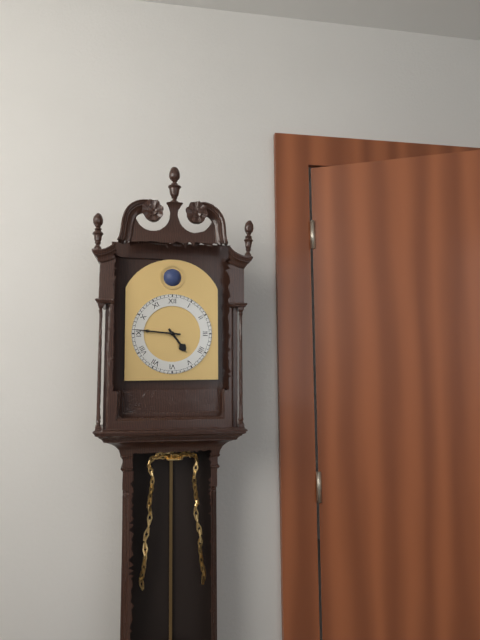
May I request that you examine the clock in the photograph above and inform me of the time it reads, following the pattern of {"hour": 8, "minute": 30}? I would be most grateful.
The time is {"hour": 4, "minute": 46}
